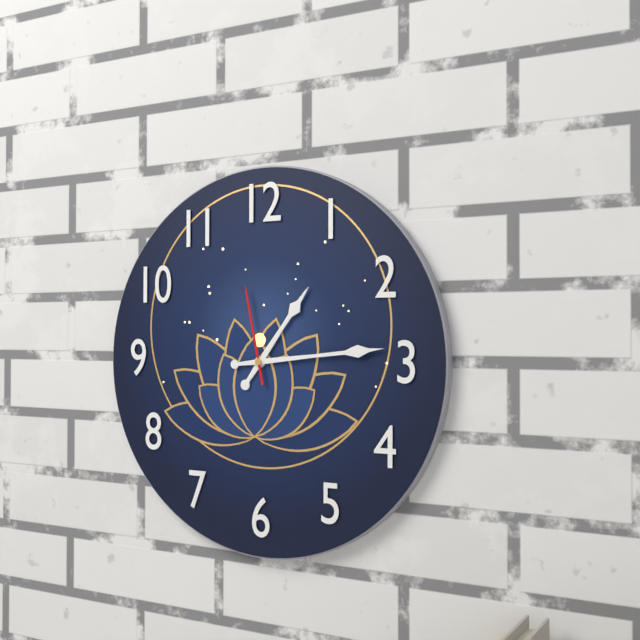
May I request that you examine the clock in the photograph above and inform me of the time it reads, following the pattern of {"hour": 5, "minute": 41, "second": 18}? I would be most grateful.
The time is {"hour": 1, "minute": 14, "second": 58}
